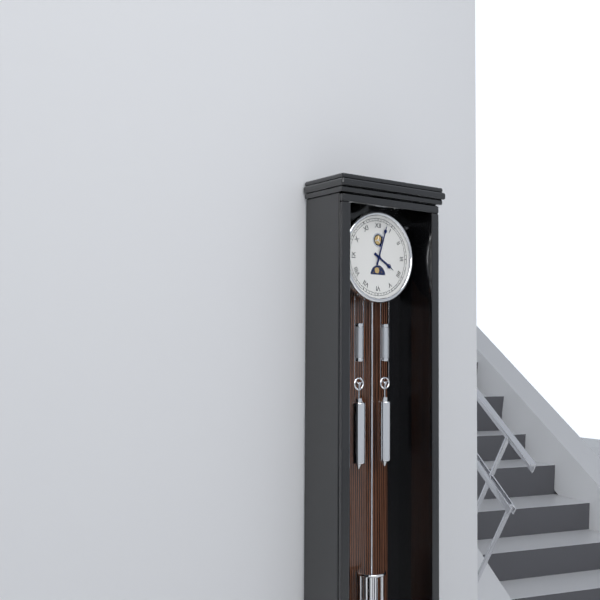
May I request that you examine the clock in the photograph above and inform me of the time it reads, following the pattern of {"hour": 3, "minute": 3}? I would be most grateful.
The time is {"hour": 4, "minute": 3}
